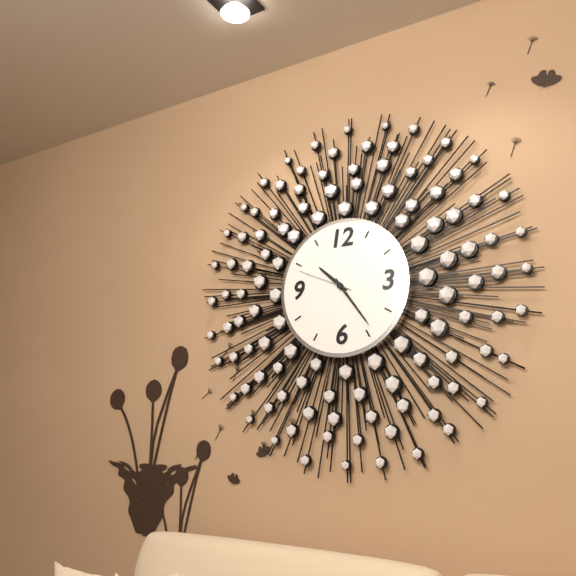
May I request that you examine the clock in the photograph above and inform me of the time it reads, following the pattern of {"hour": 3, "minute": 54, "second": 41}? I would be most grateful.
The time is {"hour": 10, "minute": 24, "second": 49}
